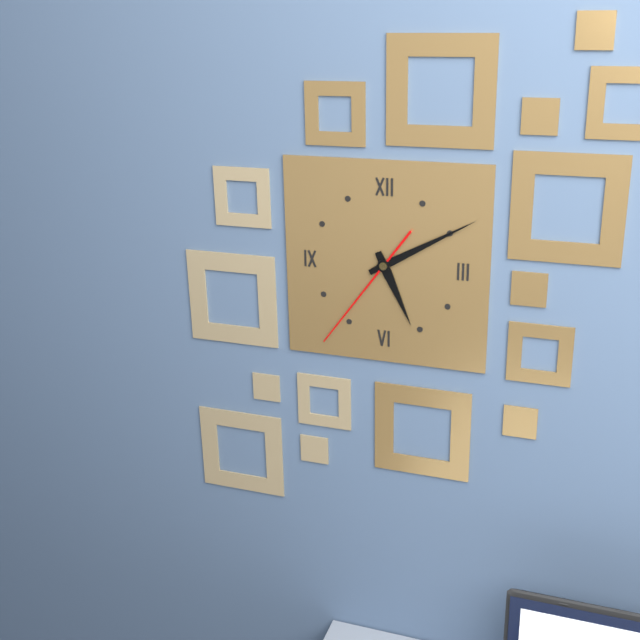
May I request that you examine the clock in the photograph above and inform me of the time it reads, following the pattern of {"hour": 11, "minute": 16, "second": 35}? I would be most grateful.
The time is {"hour": 5, "minute": 10, "second": 36}
